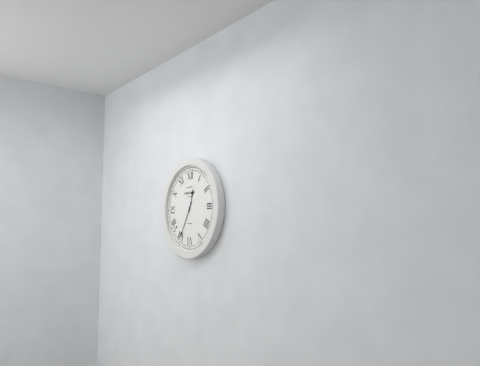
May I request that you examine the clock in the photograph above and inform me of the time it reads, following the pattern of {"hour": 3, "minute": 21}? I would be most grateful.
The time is {"hour": 12, "minute": 35}
